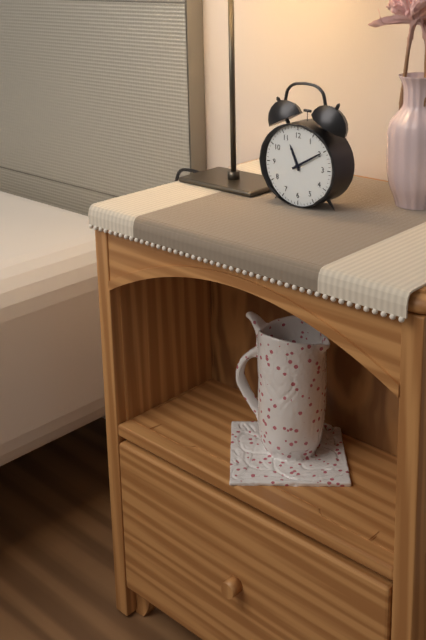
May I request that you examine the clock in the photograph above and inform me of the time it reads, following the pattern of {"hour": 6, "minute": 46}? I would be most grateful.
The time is {"hour": 11, "minute": 10}
